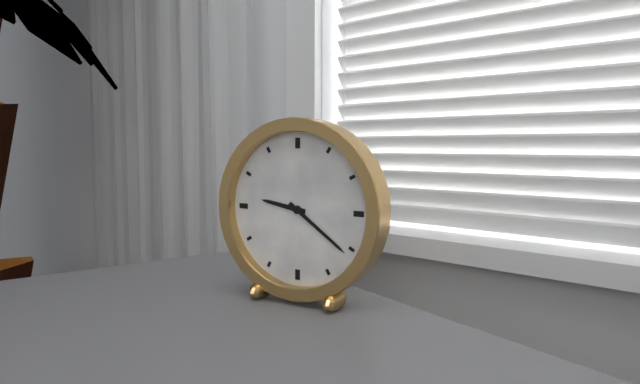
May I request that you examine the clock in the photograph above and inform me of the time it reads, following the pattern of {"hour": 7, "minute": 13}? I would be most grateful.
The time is {"hour": 9, "minute": 21}
